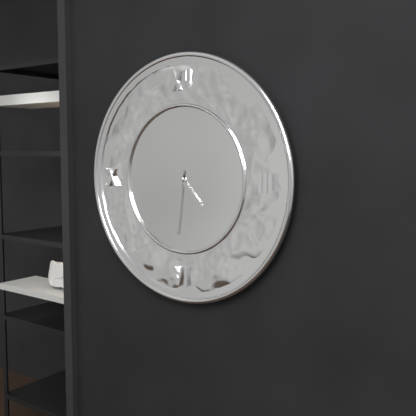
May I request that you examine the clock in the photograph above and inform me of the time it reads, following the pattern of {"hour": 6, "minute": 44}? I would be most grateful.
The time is {"hour": 4, "minute": 31}
